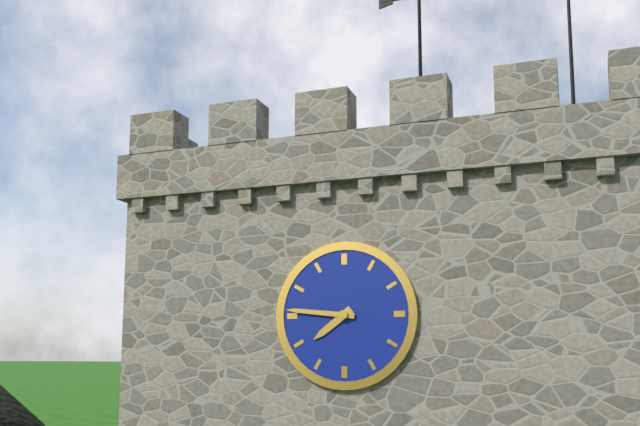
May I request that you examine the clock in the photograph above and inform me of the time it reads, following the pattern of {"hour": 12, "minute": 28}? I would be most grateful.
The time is {"hour": 7, "minute": 46}
